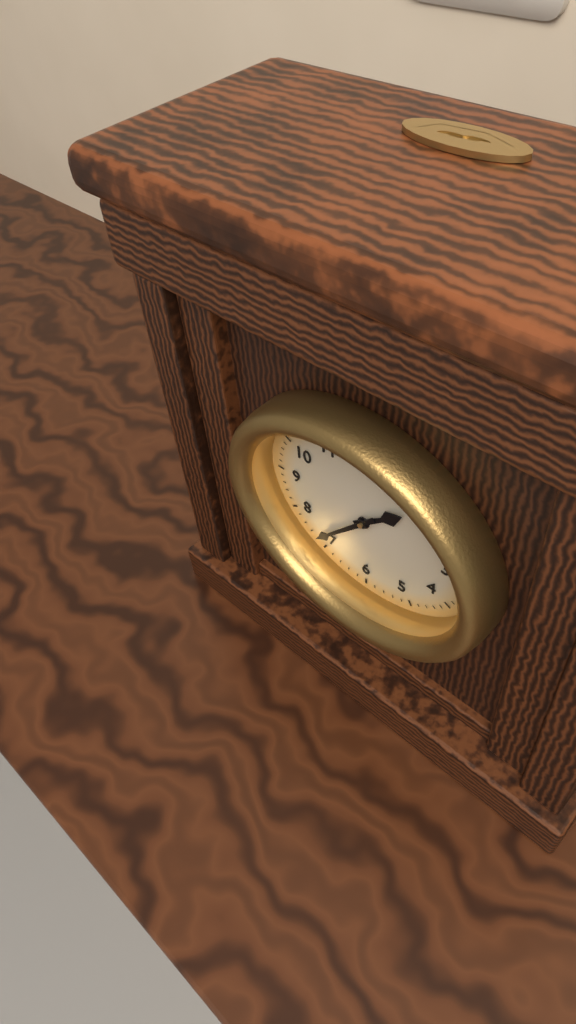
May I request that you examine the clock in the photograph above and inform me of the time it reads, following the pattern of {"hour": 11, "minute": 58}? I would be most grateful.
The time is {"hour": 1, "minute": 37}
